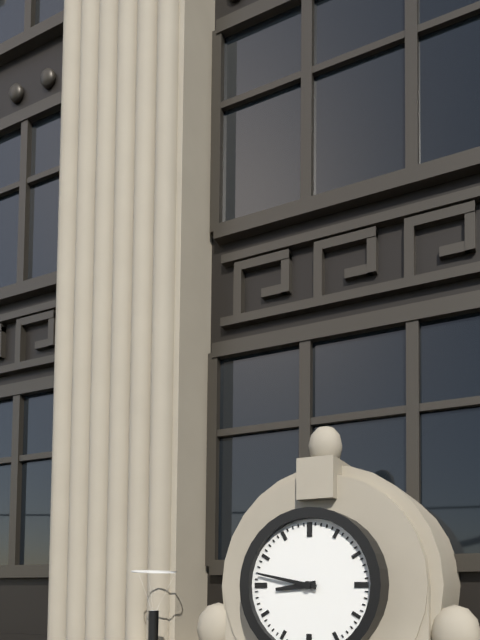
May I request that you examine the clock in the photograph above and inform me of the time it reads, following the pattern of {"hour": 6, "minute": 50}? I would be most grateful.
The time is {"hour": 8, "minute": 47}
